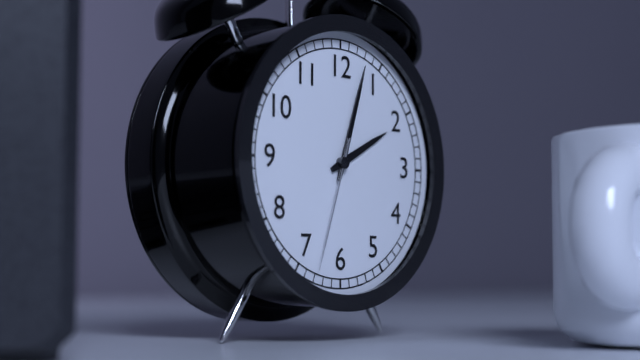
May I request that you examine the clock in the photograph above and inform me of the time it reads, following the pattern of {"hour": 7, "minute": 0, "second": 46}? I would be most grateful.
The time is {"hour": 2, "minute": 3, "second": 33}
